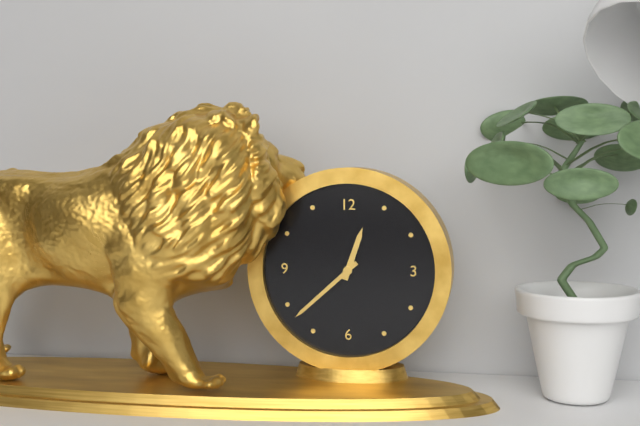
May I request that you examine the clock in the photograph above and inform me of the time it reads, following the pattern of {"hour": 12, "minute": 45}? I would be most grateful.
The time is {"hour": 12, "minute": 38}
